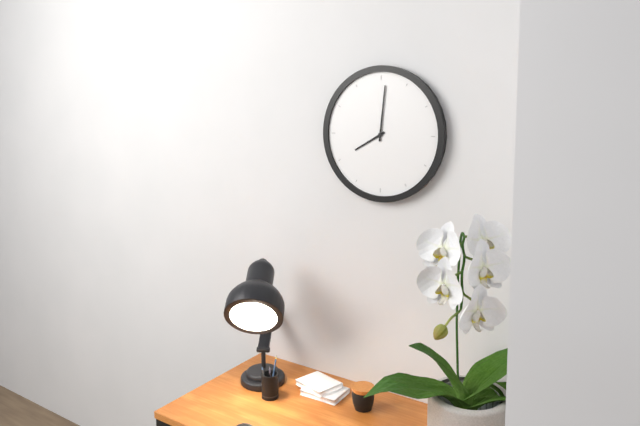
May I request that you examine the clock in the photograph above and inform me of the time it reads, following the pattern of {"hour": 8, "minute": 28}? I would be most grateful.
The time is {"hour": 8, "minute": 1}
